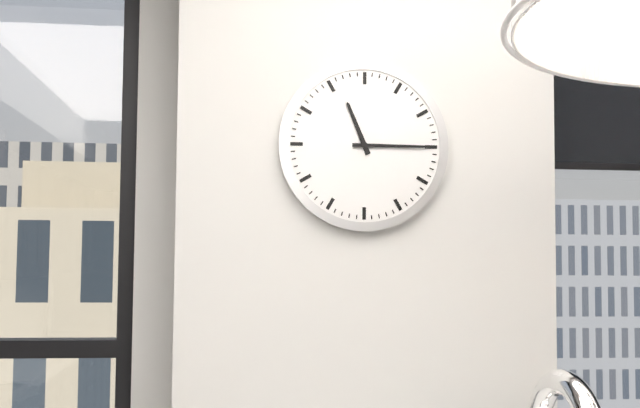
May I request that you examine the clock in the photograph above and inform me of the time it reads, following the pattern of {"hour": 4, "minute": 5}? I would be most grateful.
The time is {"hour": 11, "minute": 15}
